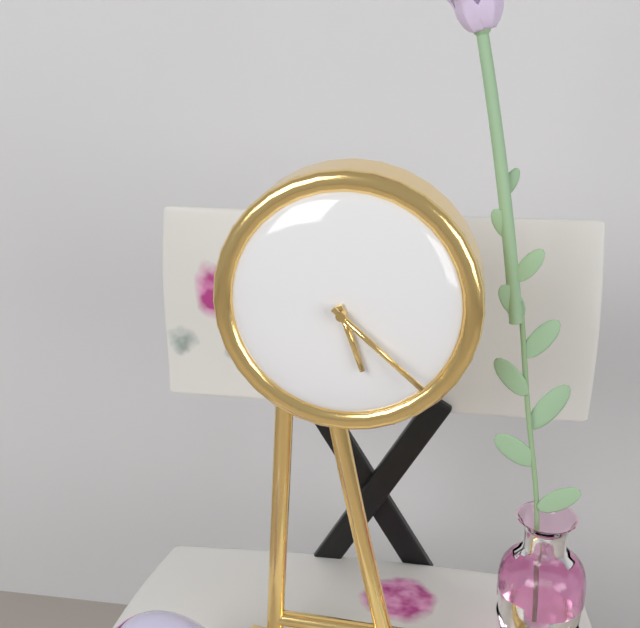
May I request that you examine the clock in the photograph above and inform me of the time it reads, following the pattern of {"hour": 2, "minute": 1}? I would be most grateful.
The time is {"hour": 5, "minute": 22}
